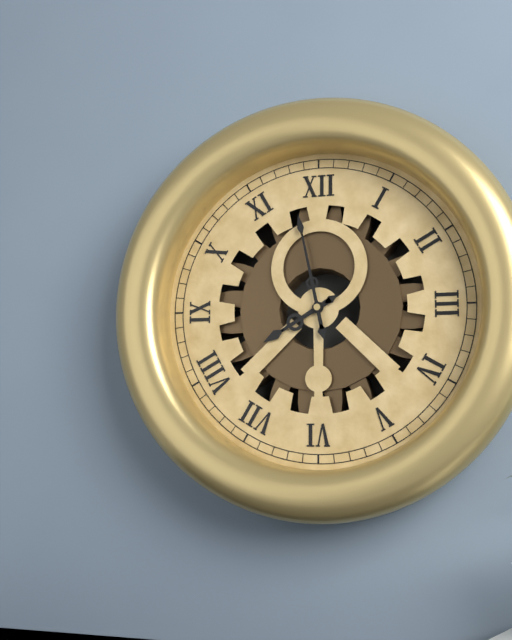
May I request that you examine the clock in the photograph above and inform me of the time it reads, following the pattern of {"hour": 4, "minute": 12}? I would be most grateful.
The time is {"hour": 7, "minute": 58}
